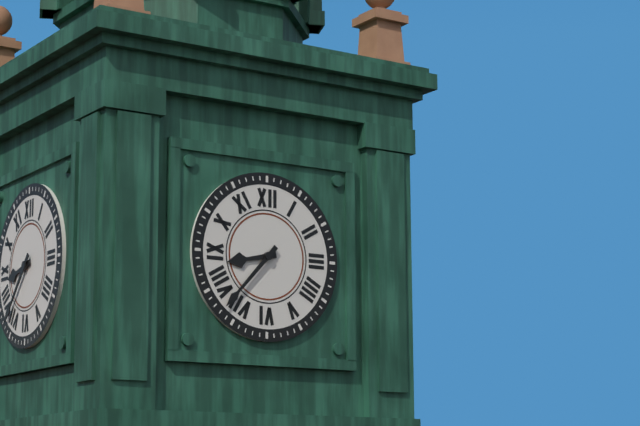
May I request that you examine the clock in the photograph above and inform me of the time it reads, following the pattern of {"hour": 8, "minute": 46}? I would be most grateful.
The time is {"hour": 8, "minute": 37}
